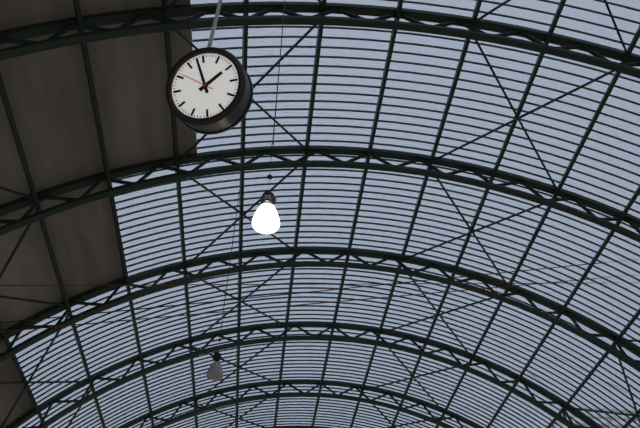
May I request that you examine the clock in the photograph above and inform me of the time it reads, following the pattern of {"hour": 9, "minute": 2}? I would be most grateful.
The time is {"hour": 1, "minute": 58}
